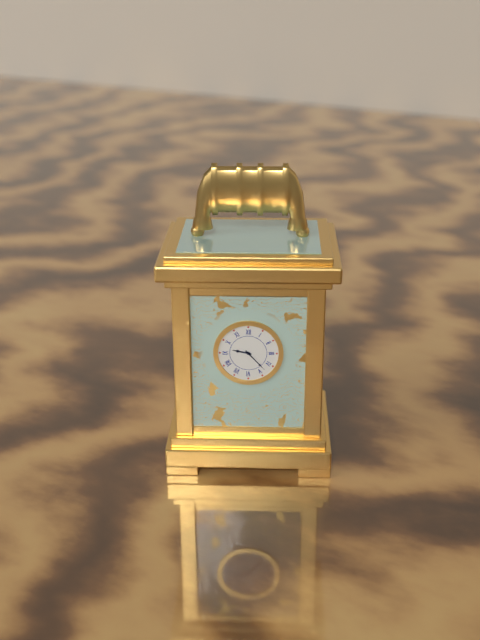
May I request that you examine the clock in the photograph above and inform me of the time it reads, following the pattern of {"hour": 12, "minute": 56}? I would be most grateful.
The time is {"hour": 9, "minute": 23}
